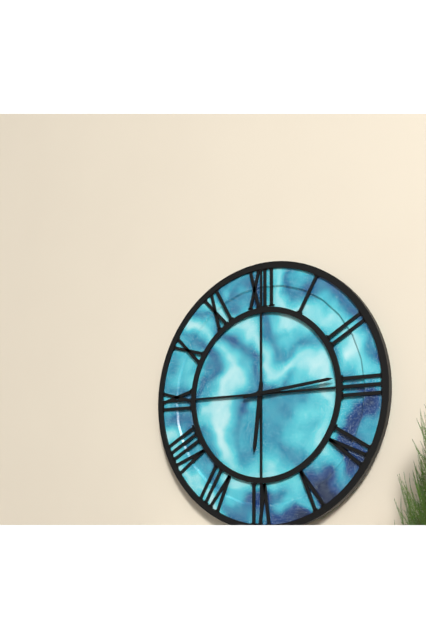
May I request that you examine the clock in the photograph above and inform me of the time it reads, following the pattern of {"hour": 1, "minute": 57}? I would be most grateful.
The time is {"hour": 6, "minute": 14}
